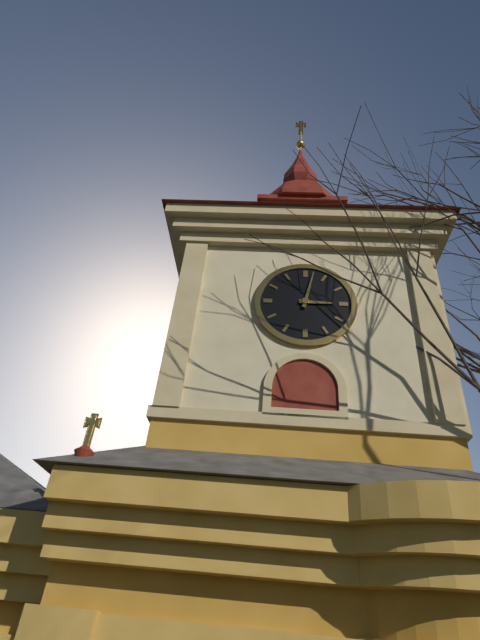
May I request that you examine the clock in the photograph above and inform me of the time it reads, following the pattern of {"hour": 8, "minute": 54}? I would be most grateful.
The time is {"hour": 3, "minute": 2}
